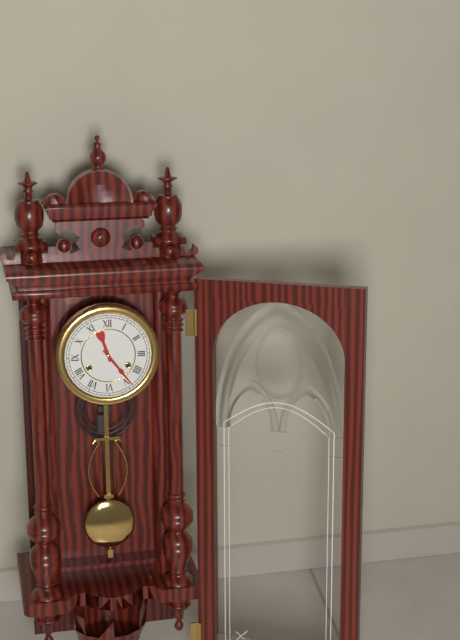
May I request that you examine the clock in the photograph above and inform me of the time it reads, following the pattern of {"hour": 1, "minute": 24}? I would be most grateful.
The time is {"hour": 11, "minute": 24}
